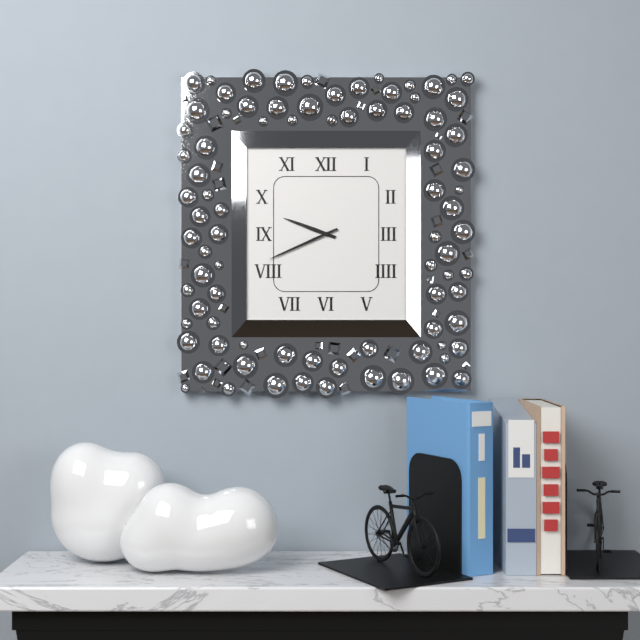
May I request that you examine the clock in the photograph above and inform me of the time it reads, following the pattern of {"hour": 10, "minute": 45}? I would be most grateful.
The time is {"hour": 9, "minute": 41}
